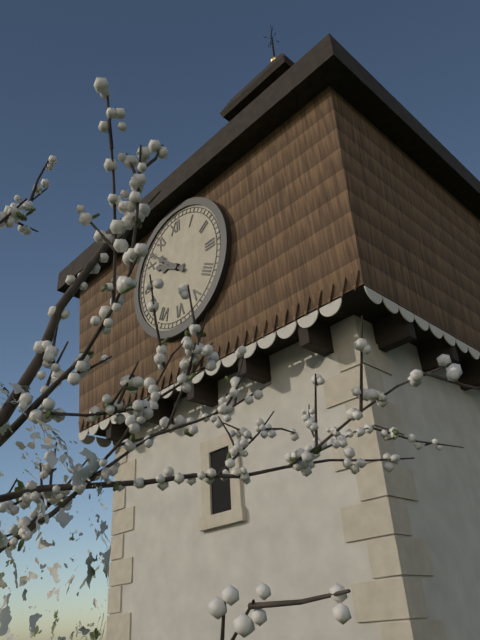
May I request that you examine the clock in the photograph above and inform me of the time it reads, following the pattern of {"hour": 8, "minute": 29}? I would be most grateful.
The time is {"hour": 9, "minute": 52}
